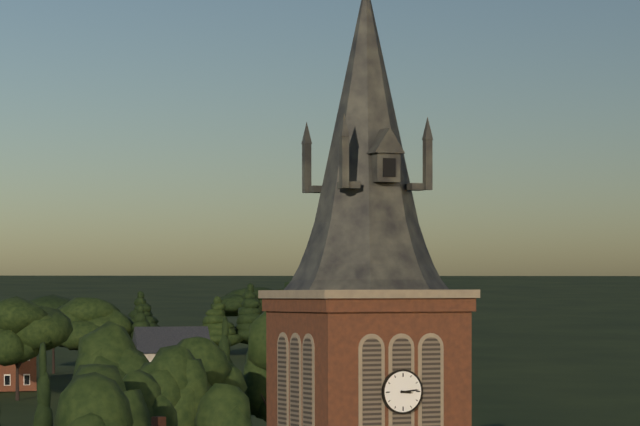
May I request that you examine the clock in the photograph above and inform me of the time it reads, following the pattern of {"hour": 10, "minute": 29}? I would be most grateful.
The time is {"hour": 3, "minute": 14}
